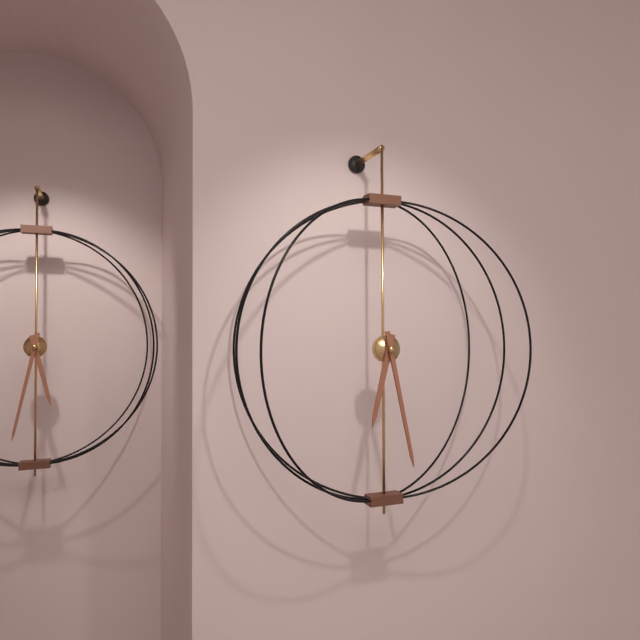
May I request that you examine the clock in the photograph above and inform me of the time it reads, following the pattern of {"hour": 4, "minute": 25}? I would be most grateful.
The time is {"hour": 6, "minute": 28}
